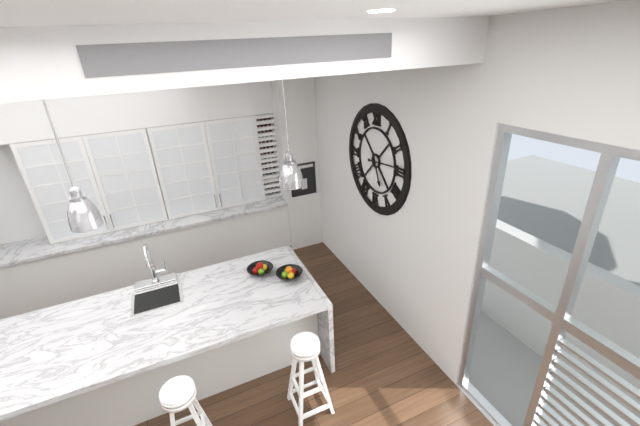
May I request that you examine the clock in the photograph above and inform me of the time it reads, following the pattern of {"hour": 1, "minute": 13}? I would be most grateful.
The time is {"hour": 5, "minute": 14}
